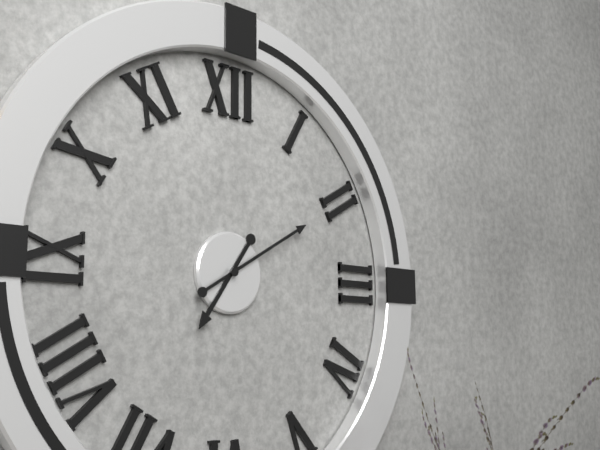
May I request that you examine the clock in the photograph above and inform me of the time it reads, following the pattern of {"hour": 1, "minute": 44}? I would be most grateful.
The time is {"hour": 7, "minute": 10}
